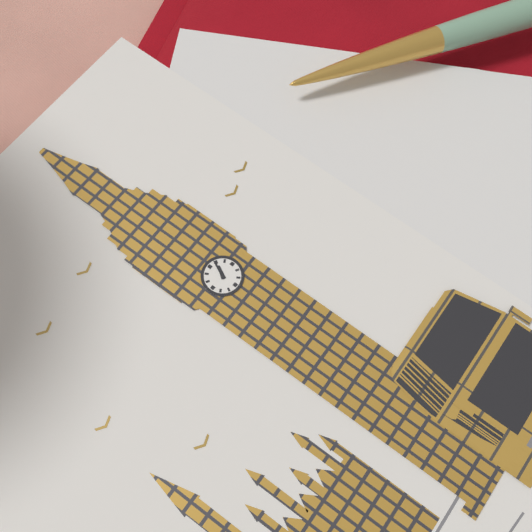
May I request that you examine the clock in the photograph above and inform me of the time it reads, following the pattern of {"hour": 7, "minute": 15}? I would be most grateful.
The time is {"hour": 1, "minute": 4}
